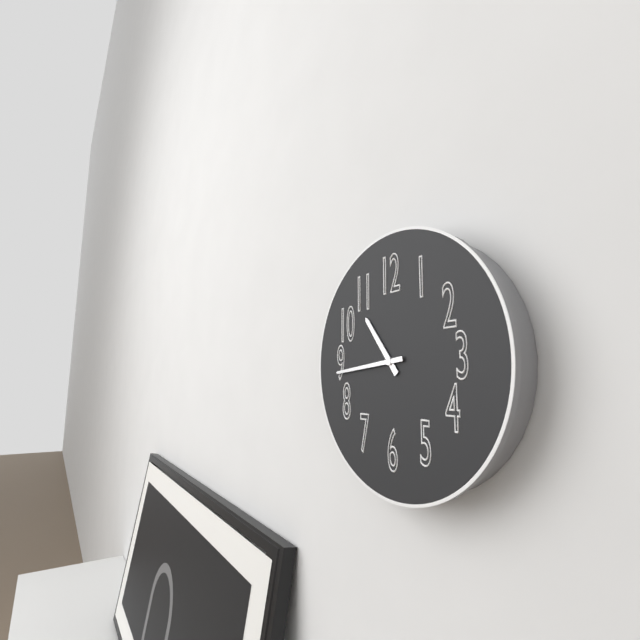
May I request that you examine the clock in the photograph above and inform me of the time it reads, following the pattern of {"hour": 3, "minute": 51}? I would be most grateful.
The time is {"hour": 10, "minute": 44}
